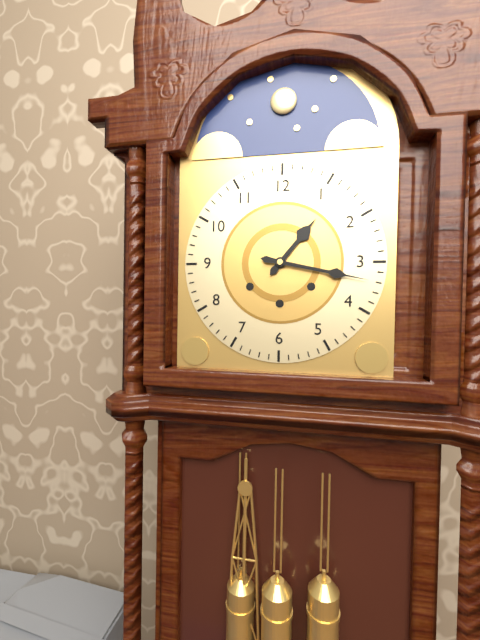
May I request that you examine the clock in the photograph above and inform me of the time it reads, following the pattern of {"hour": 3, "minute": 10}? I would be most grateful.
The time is {"hour": 1, "minute": 17}
